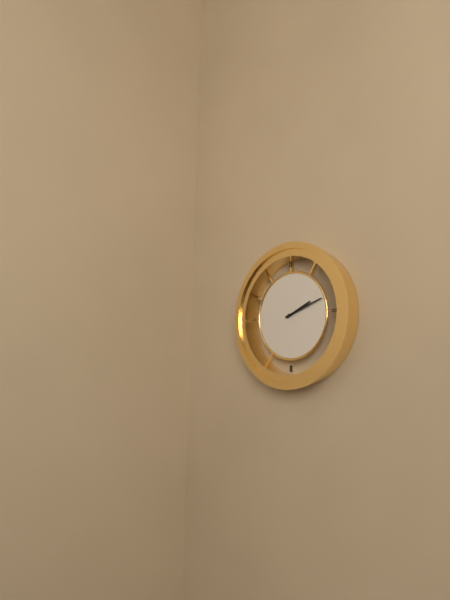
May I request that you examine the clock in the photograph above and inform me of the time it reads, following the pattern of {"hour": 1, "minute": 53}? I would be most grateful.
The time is {"hour": 2, "minute": 12}
